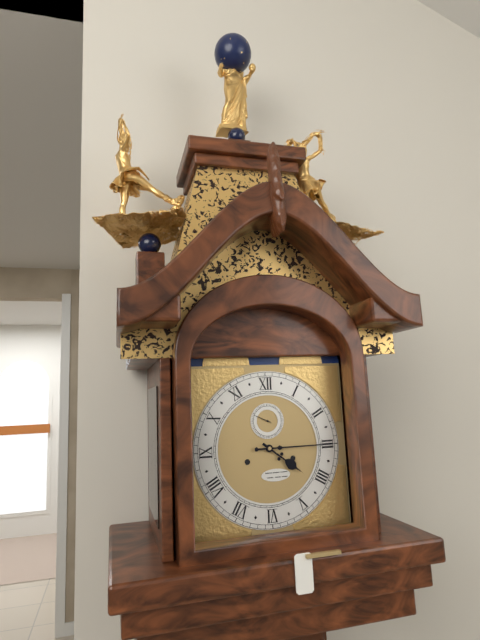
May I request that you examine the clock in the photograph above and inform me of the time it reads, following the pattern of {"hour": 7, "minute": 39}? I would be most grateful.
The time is {"hour": 4, "minute": 15}
